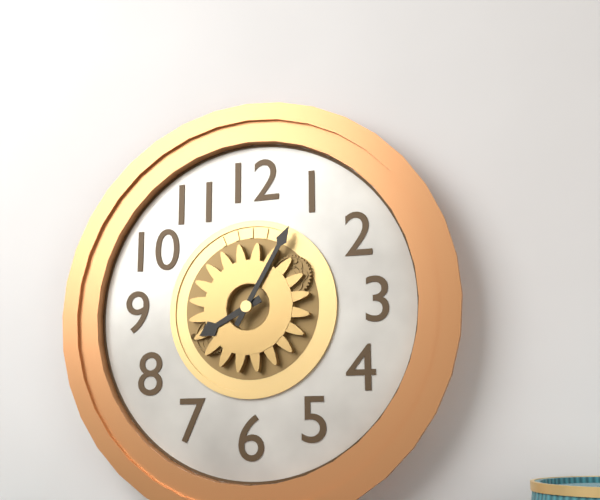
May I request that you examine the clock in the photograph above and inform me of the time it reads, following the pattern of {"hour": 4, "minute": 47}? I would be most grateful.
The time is {"hour": 8, "minute": 5}
